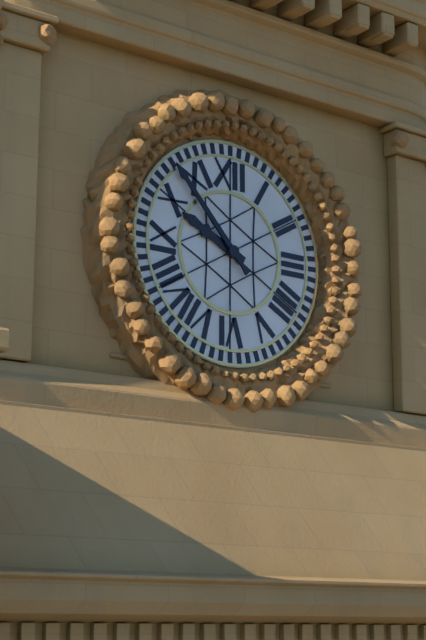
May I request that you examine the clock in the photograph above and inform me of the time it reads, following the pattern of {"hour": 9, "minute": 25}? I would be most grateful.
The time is {"hour": 9, "minute": 53}
